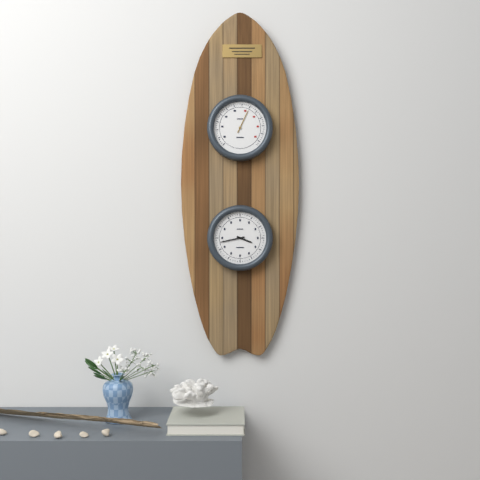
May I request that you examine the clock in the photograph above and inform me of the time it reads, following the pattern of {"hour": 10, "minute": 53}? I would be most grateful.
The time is {"hour": 3, "minute": 43}
